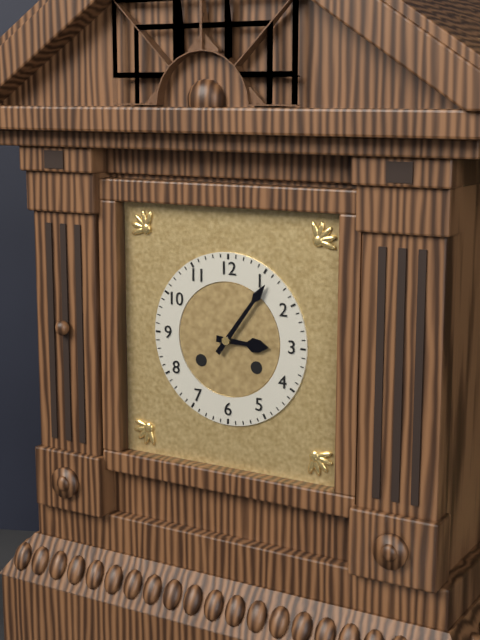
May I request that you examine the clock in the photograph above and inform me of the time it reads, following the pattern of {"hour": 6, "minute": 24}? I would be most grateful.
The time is {"hour": 3, "minute": 6}
